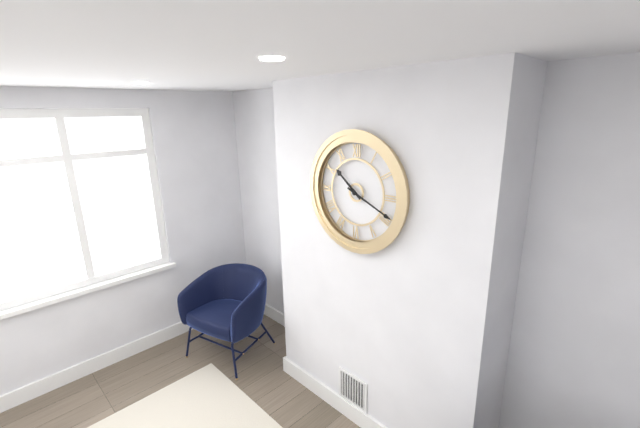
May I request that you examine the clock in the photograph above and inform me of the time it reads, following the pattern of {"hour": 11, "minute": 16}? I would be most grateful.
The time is {"hour": 10, "minute": 19}
